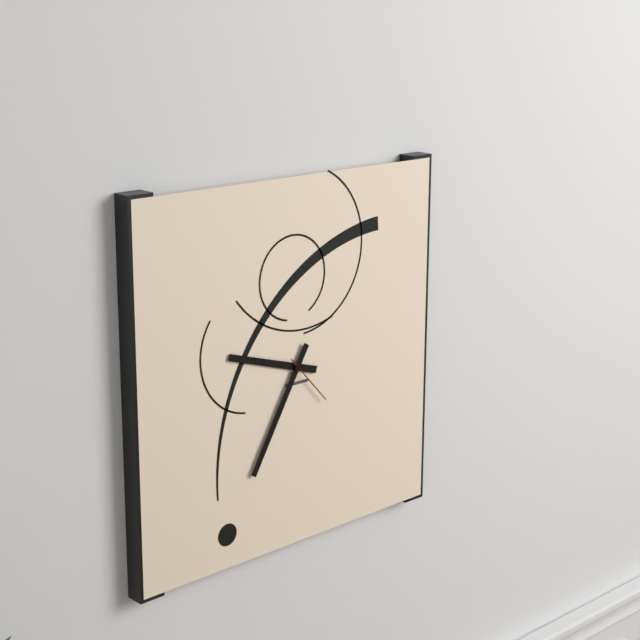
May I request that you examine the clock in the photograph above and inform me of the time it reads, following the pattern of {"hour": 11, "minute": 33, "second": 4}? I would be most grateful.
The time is {"hour": 9, "minute": 35, "second": 23}
